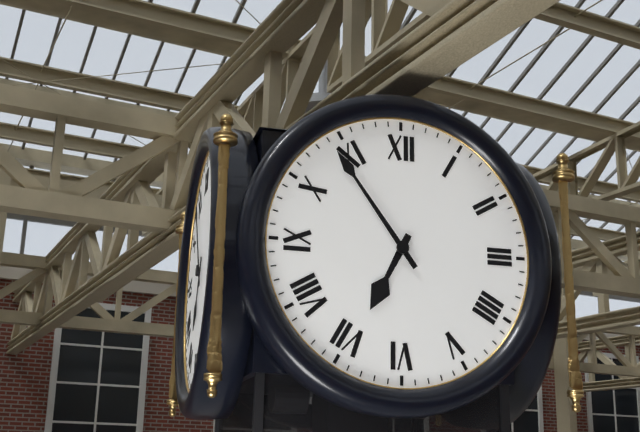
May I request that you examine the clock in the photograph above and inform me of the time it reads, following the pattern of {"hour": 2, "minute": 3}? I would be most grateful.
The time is {"hour": 6, "minute": 54}
